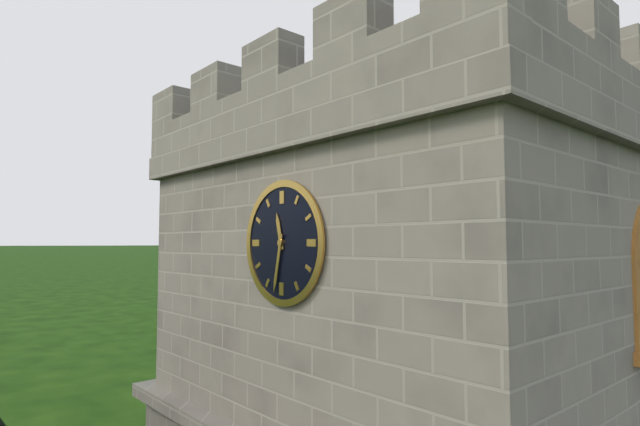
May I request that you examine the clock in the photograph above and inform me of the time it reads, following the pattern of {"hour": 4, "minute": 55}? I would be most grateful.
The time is {"hour": 11, "minute": 32}
